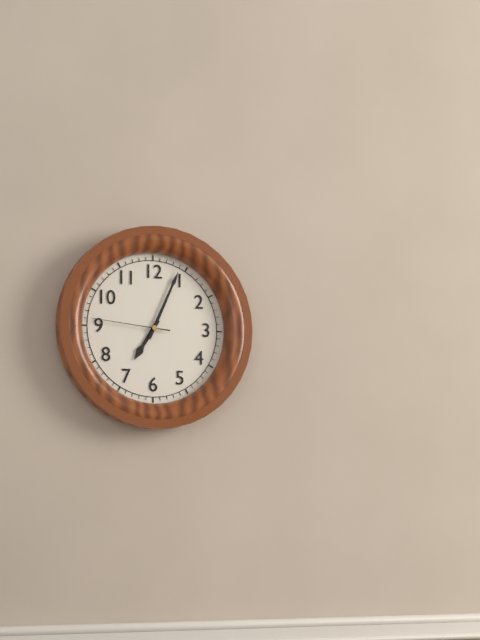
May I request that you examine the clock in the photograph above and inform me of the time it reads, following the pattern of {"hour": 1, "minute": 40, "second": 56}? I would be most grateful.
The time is {"hour": 7, "minute": 4, "second": 46}
